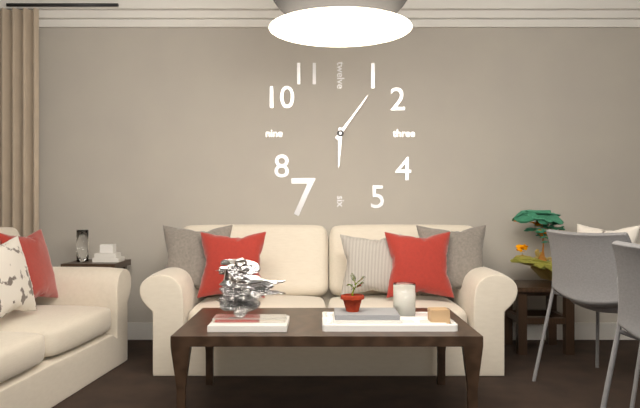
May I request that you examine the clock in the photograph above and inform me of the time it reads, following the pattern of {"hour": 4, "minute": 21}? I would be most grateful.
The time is {"hour": 6, "minute": 6}
